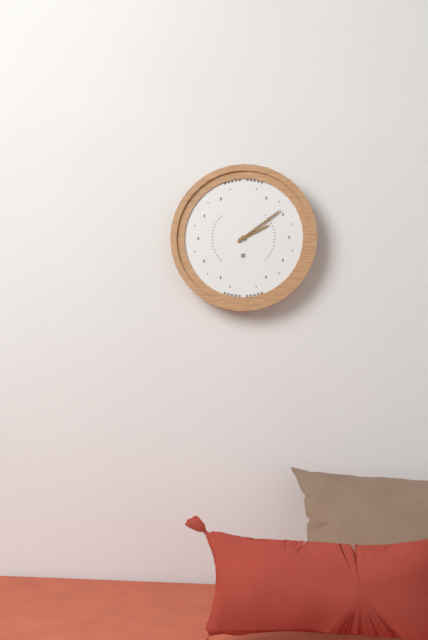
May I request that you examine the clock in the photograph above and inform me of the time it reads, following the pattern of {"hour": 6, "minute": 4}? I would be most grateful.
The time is {"hour": 2, "minute": 9}
